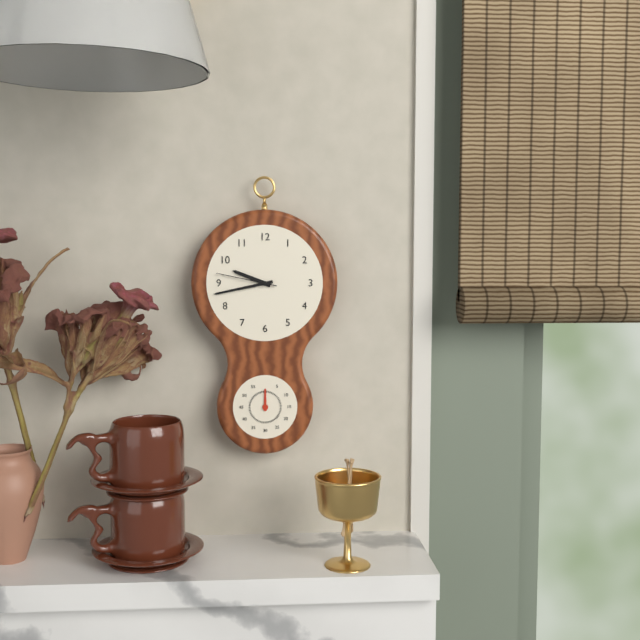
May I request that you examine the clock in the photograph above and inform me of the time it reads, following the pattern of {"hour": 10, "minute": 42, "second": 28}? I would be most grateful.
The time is {"hour": 9, "minute": 43, "second": 47}
